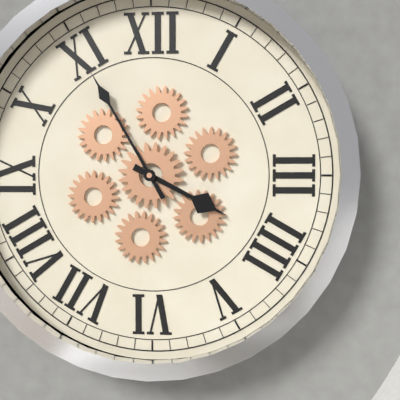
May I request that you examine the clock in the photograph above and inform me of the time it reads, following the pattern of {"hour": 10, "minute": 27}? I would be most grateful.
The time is {"hour": 3, "minute": 55}
